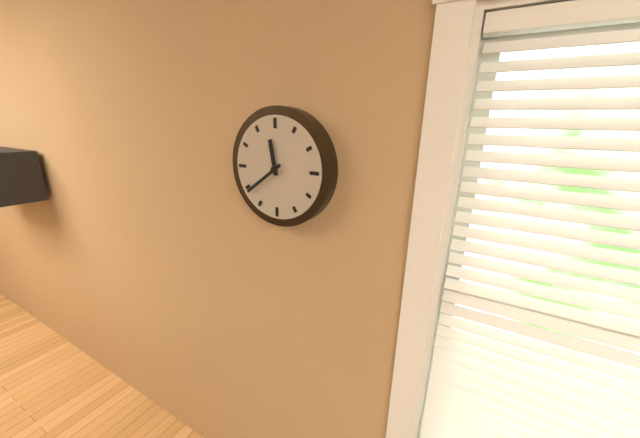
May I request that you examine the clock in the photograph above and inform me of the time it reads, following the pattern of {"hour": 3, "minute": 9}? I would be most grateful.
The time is {"hour": 11, "minute": 39}
